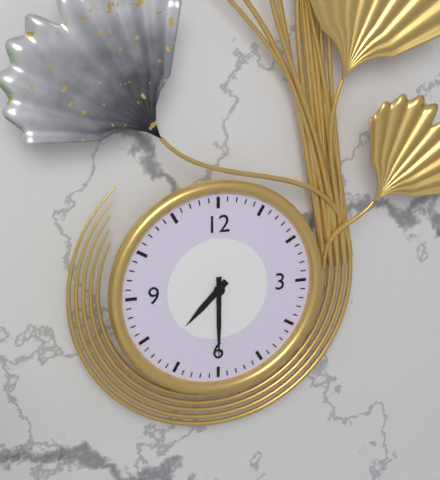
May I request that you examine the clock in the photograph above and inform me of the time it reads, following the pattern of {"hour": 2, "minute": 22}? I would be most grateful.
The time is {"hour": 7, "minute": 30}
